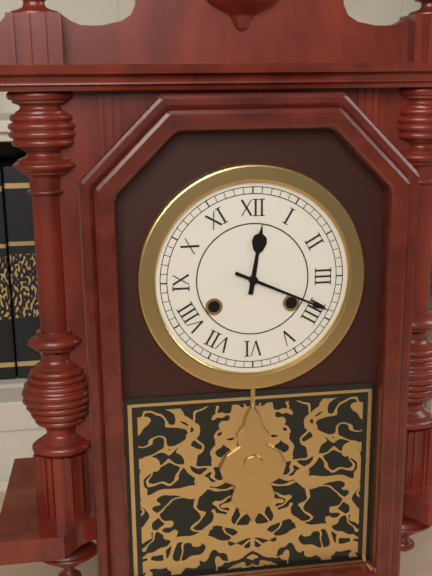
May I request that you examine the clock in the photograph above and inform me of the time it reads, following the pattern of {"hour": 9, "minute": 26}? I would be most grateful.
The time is {"hour": 12, "minute": 19}
